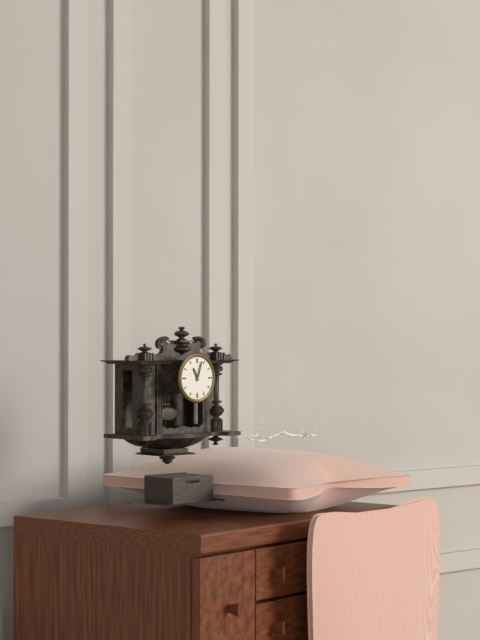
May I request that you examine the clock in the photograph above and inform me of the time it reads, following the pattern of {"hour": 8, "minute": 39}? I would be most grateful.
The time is {"hour": 11, "minute": 3}
